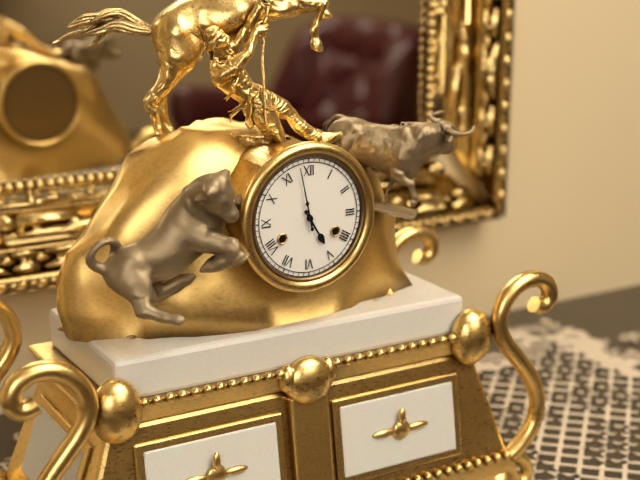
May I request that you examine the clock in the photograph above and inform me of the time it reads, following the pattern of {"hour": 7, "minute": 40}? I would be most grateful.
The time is {"hour": 4, "minute": 58}
